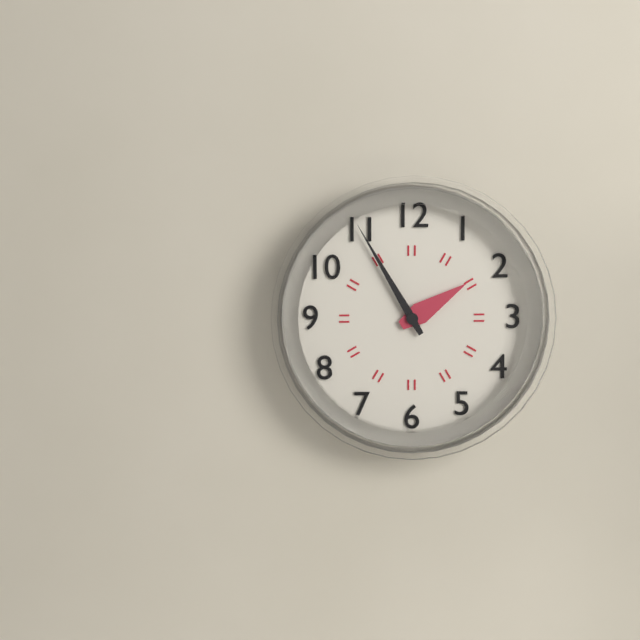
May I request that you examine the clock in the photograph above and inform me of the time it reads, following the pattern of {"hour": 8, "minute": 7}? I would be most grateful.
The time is {"hour": 1, "minute": 55}
